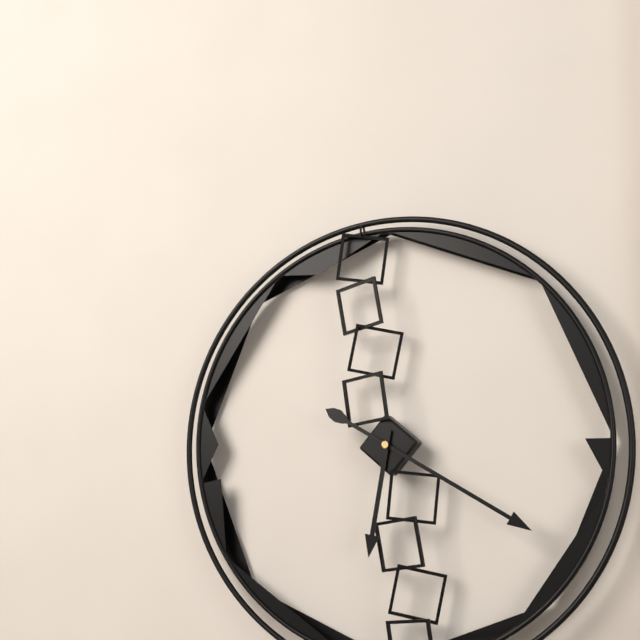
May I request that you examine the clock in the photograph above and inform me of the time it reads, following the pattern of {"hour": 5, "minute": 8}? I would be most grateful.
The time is {"hour": 6, "minute": 20}
